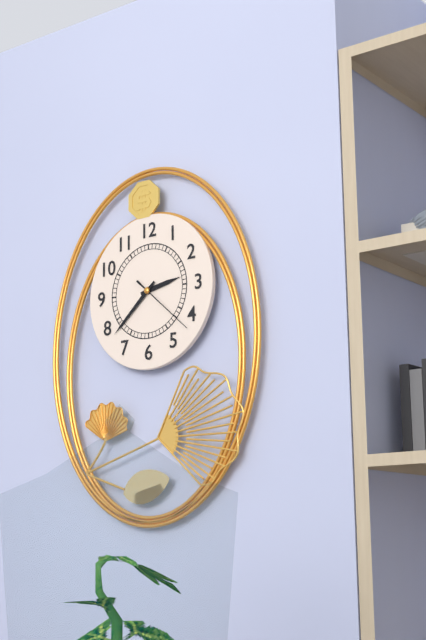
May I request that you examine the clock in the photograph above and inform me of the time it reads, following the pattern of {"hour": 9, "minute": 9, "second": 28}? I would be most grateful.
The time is {"hour": 2, "minute": 38, "second": 22}
